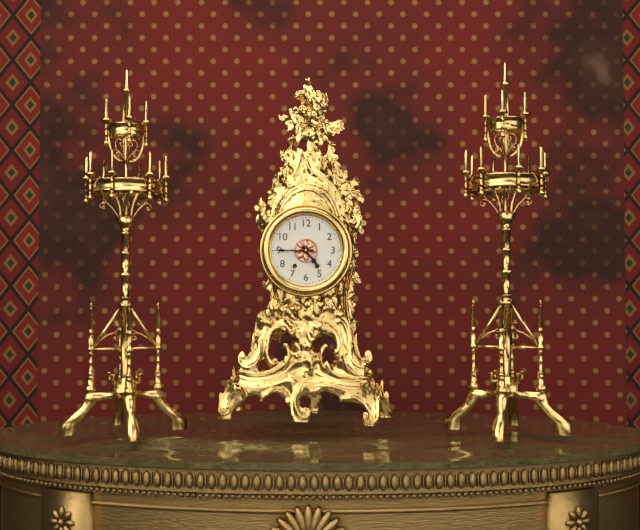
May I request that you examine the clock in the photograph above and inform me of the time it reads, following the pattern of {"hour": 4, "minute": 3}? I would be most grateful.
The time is {"hour": 4, "minute": 45}
